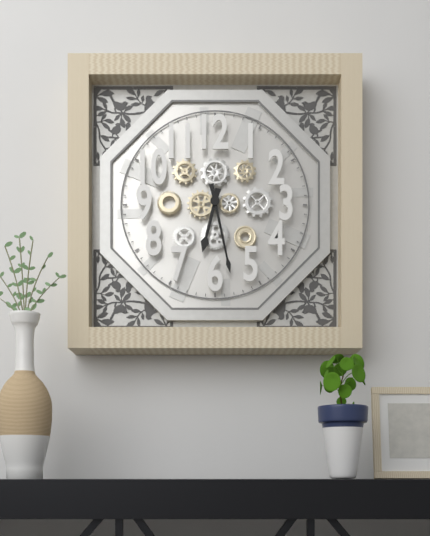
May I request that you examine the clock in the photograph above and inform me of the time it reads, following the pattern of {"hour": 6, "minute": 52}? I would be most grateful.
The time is {"hour": 6, "minute": 28}
